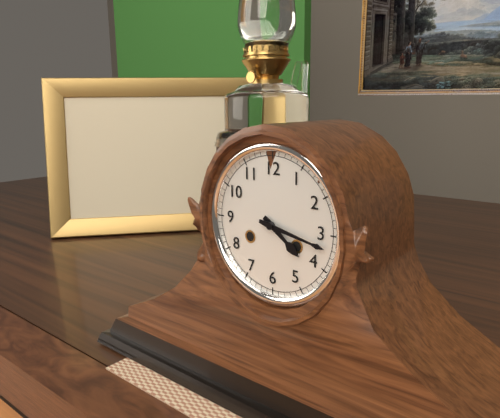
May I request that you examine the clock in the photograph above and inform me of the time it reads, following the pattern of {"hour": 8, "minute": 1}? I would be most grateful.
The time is {"hour": 4, "minute": 17}
